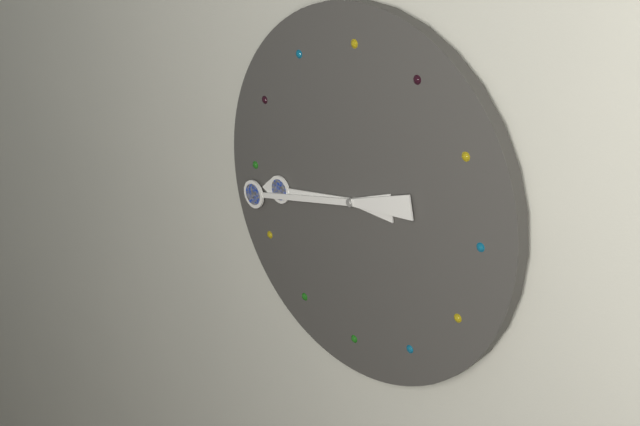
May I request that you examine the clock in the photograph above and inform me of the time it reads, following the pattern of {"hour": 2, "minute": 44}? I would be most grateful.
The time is {"hour": 8, "minute": 43}
